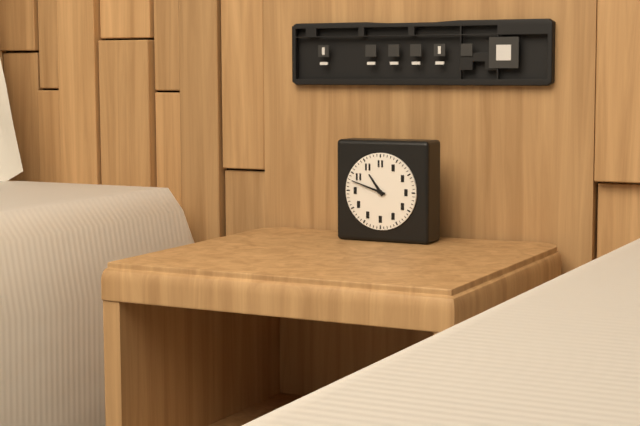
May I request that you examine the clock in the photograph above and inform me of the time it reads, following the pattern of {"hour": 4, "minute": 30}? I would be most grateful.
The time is {"hour": 10, "minute": 48}
